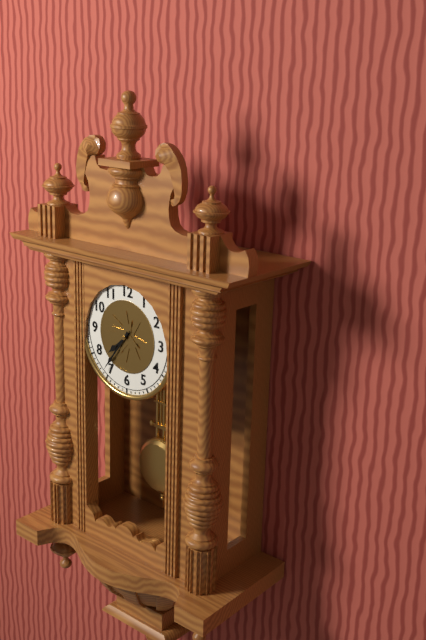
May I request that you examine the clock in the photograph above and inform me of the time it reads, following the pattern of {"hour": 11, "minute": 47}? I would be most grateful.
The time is {"hour": 7, "minute": 36}
